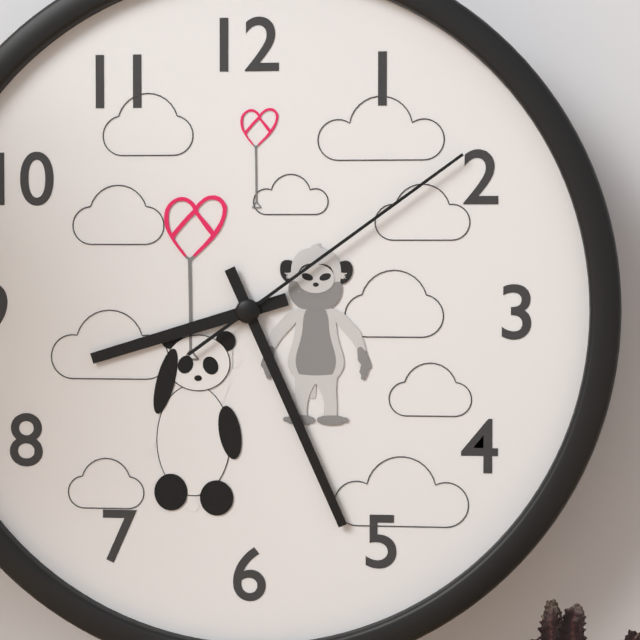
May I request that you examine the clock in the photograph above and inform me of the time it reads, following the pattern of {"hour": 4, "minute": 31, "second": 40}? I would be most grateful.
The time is {"hour": 8, "minute": 26, "second": 9}
